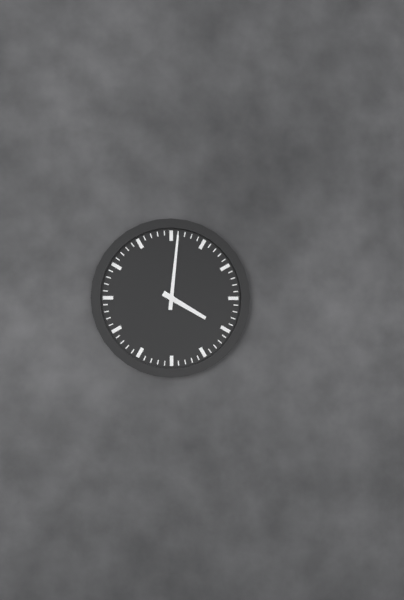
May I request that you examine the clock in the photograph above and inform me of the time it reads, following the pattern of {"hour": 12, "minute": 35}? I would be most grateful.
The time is {"hour": 4, "minute": 1}
